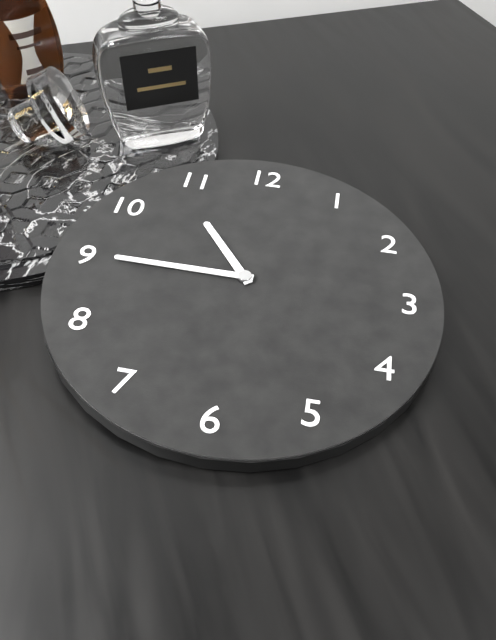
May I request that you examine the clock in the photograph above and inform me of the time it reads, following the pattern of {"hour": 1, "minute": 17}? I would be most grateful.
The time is {"hour": 10, "minute": 45}
